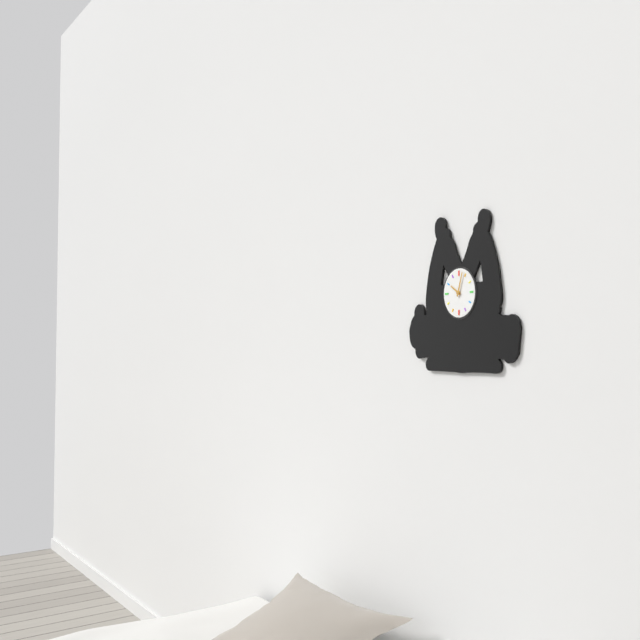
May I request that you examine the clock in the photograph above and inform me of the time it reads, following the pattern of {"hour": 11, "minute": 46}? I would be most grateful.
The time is {"hour": 10, "minute": 3}
